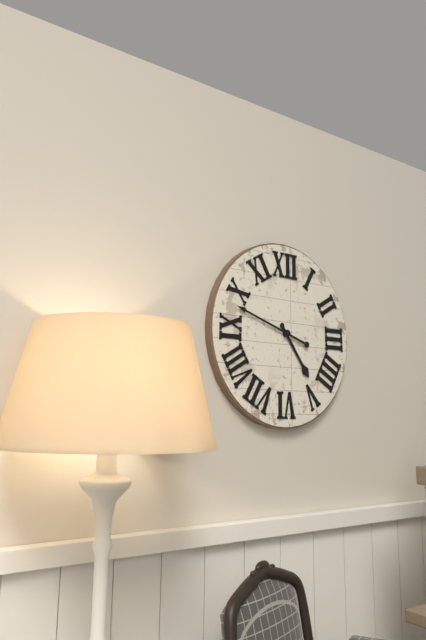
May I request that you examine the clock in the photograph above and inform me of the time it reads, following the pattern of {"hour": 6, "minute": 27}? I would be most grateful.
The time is {"hour": 4, "minute": 48}
